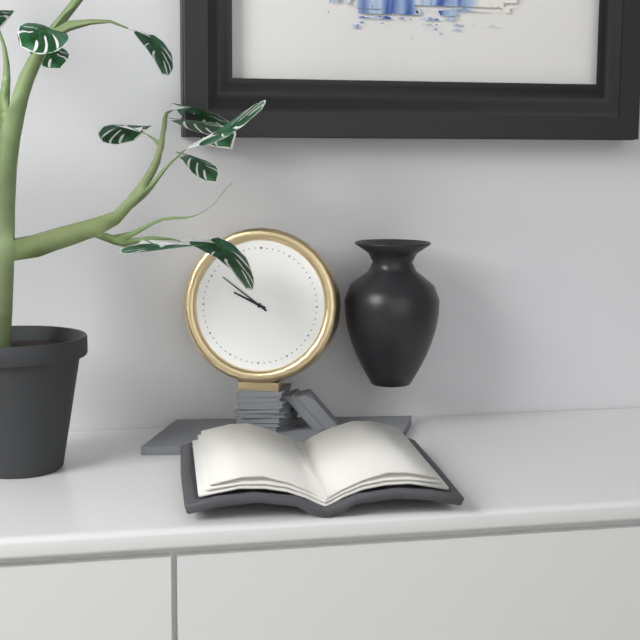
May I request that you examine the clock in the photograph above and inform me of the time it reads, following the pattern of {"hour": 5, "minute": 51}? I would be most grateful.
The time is {"hour": 9, "minute": 51}
